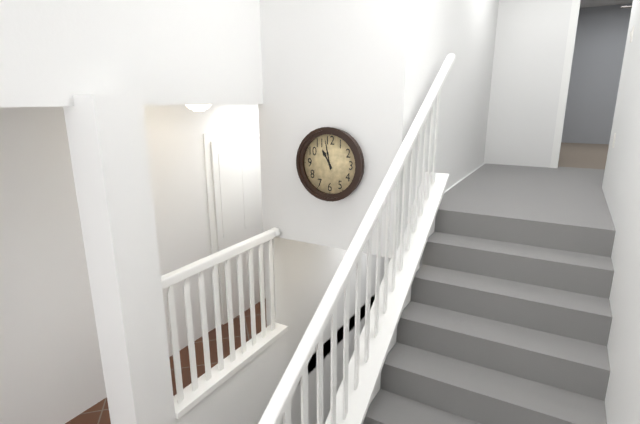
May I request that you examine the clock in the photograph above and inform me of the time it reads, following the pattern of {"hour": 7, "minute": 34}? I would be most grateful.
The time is {"hour": 10, "minute": 58}
